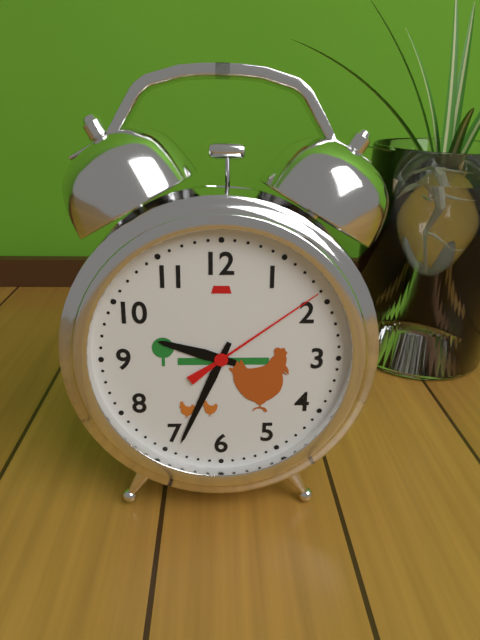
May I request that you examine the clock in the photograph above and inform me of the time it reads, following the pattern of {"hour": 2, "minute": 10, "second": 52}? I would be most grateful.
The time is {"hour": 9, "minute": 34, "second": 9}
